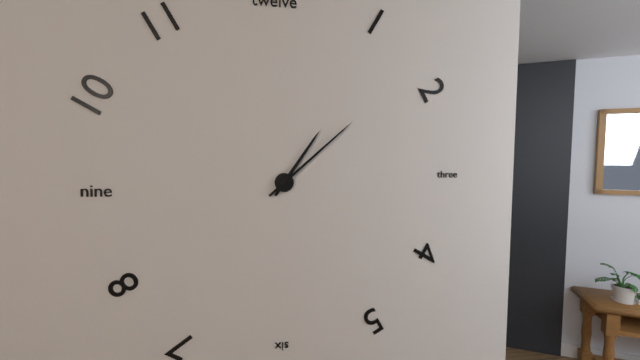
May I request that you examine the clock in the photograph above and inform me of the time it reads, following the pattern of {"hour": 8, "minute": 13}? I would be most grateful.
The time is {"hour": 1, "minute": 8}
